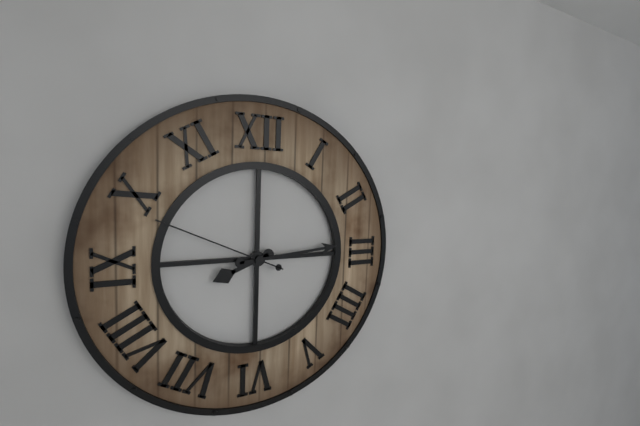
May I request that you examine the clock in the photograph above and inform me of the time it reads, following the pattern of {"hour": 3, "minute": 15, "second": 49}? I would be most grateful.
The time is {"hour": 8, "minute": 14, "second": 49}
